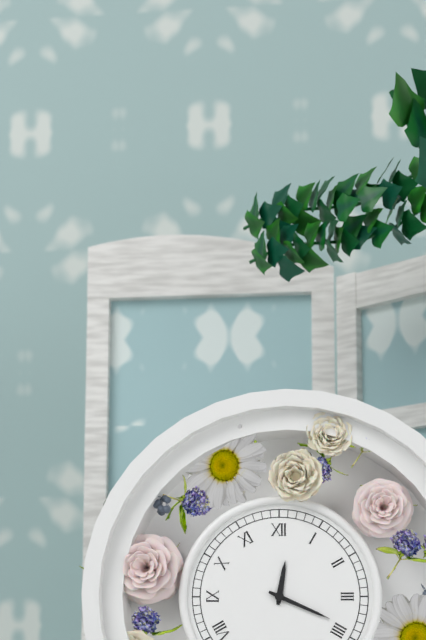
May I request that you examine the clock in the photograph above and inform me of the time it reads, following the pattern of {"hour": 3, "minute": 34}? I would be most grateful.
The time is {"hour": 12, "minute": 19}
